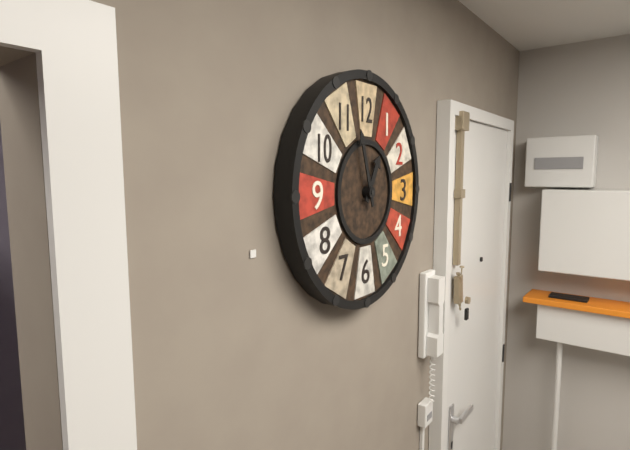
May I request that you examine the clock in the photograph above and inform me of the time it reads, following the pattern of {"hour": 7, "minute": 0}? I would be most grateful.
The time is {"hour": 12, "minute": 57}
